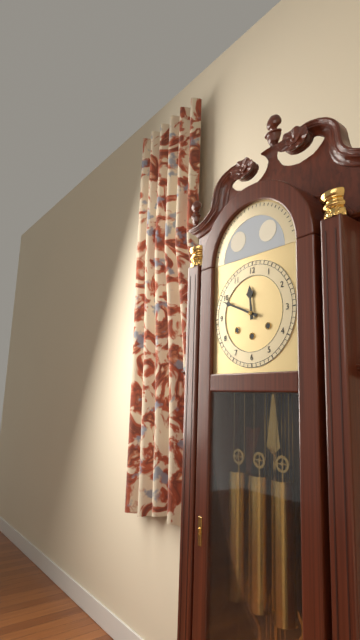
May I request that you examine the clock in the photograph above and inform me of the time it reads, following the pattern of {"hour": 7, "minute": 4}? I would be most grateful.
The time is {"hour": 11, "minute": 49}
